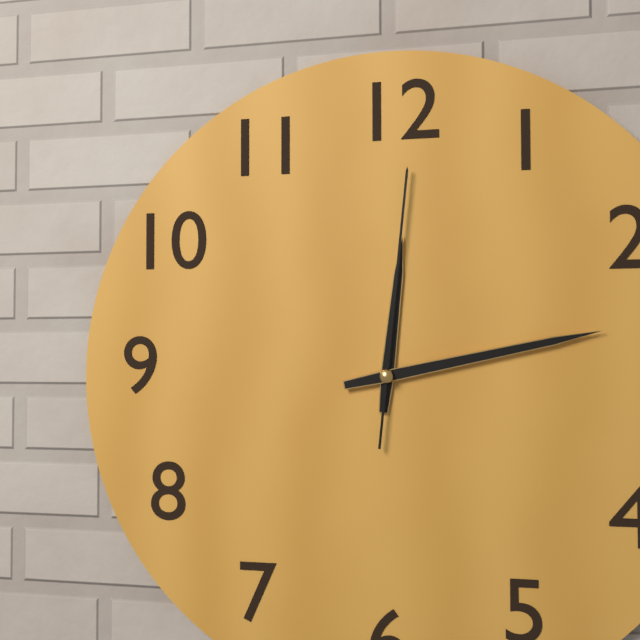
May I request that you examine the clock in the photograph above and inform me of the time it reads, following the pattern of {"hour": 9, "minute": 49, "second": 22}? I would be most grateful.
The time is {"hour": 12, "minute": 13, "second": 1}
